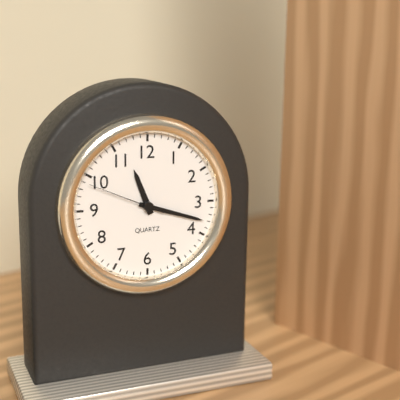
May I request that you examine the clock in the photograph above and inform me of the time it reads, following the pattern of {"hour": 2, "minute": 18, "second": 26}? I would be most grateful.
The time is {"hour": 11, "minute": 18, "second": 49}
